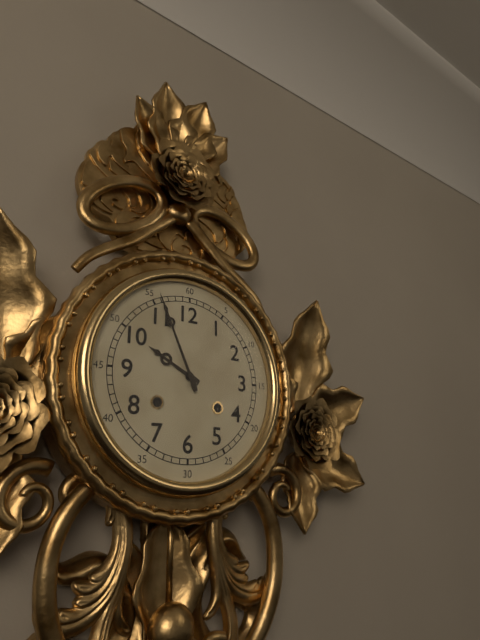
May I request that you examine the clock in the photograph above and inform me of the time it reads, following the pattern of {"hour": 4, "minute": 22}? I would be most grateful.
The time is {"hour": 9, "minute": 56}
